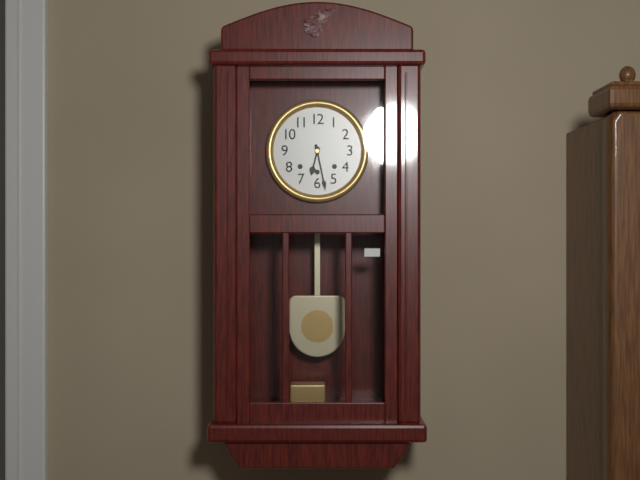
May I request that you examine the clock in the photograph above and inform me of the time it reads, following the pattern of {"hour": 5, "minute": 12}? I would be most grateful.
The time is {"hour": 6, "minute": 28}
